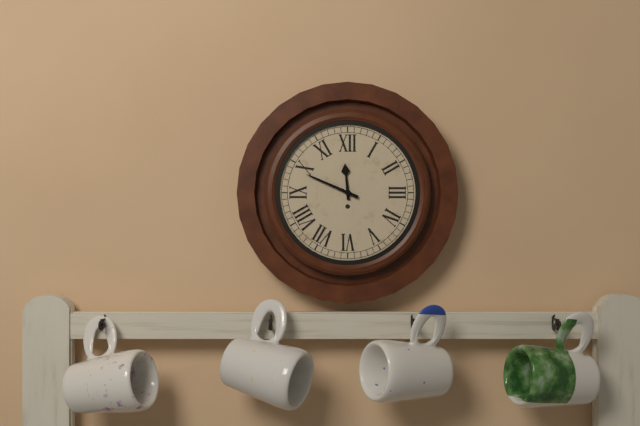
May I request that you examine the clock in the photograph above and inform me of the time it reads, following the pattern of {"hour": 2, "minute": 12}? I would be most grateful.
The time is {"hour": 11, "minute": 49}
